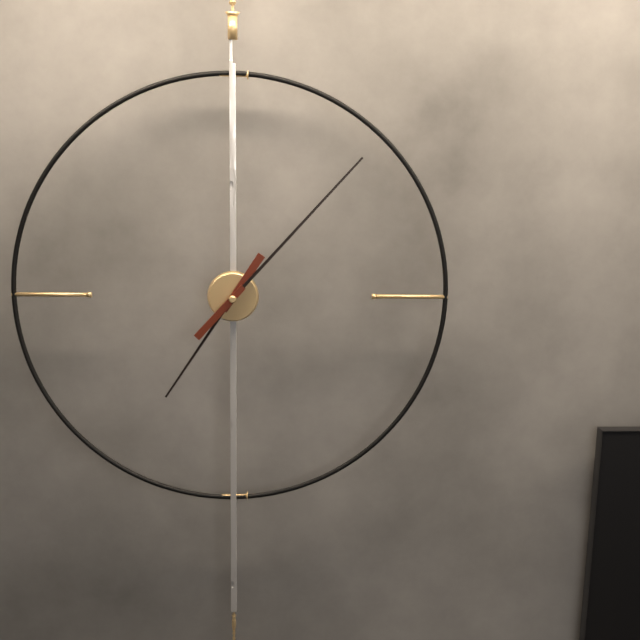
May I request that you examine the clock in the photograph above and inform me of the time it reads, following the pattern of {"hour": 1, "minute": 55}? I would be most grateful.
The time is {"hour": 7, "minute": 7}
